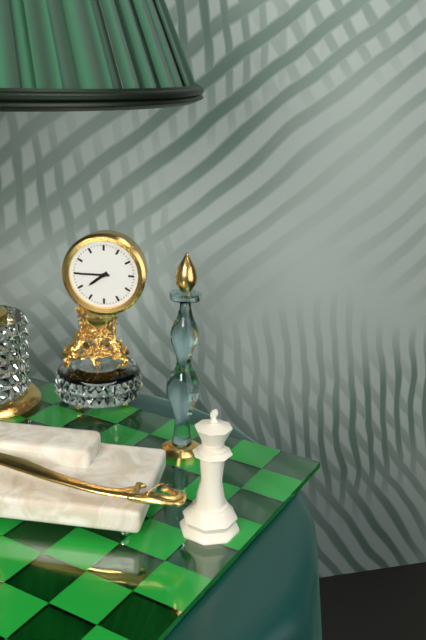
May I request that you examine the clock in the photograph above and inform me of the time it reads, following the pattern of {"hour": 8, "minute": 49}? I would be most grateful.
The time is {"hour": 7, "minute": 45}
